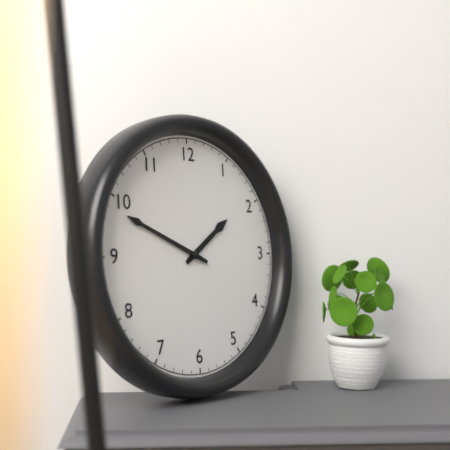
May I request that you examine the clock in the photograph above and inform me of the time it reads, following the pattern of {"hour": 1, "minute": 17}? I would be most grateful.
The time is {"hour": 1, "minute": 49}
